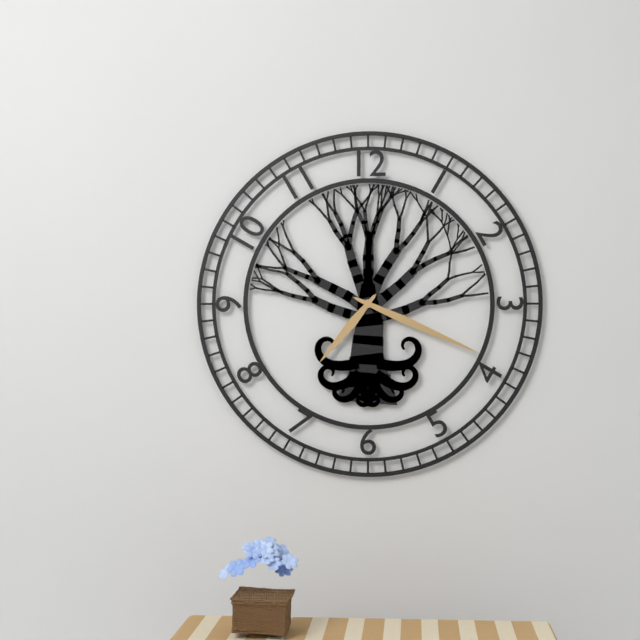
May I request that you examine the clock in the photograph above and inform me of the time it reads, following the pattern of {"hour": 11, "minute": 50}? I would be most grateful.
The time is {"hour": 7, "minute": 19}
